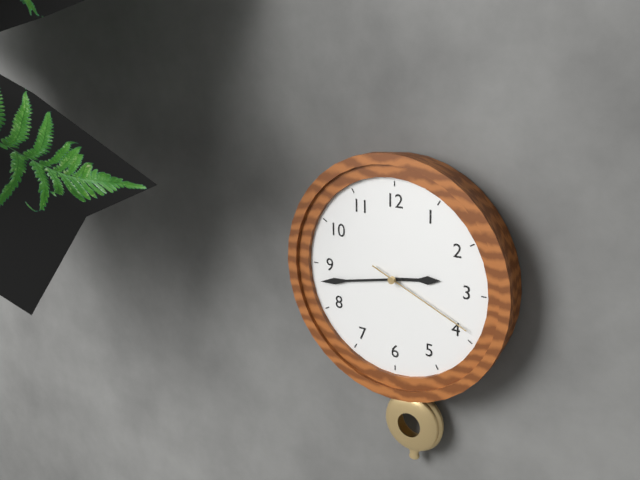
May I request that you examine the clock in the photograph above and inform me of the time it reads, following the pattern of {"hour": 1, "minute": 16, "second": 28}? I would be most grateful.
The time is {"hour": 2, "minute": 43, "second": 19}
